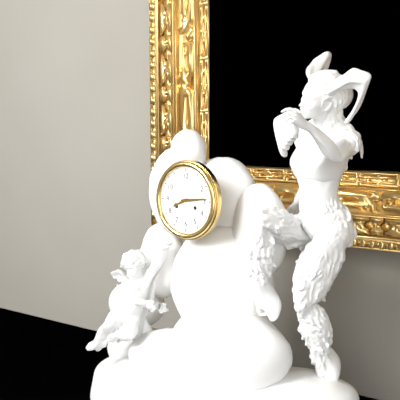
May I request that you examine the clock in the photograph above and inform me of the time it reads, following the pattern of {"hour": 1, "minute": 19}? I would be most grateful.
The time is {"hour": 8, "minute": 14}
